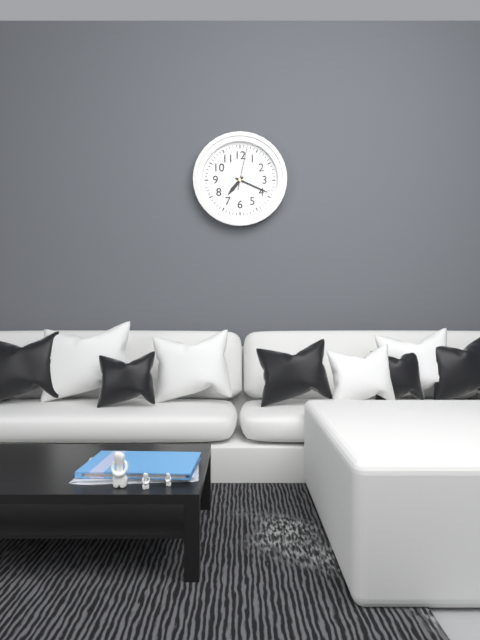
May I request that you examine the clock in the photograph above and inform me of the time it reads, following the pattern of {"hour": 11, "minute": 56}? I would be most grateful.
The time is {"hour": 7, "minute": 19}
